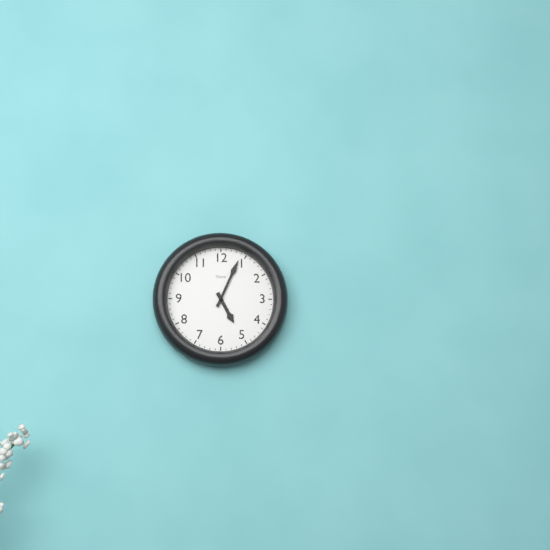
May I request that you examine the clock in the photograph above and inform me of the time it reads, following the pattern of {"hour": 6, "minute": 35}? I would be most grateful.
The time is {"hour": 5, "minute": 4}
